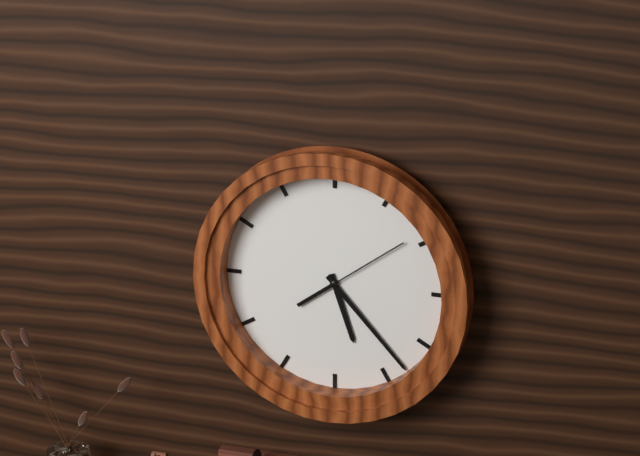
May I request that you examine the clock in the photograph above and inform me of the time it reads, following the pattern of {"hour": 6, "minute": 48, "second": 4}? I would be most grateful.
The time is {"hour": 5, "minute": 23, "second": 9}
